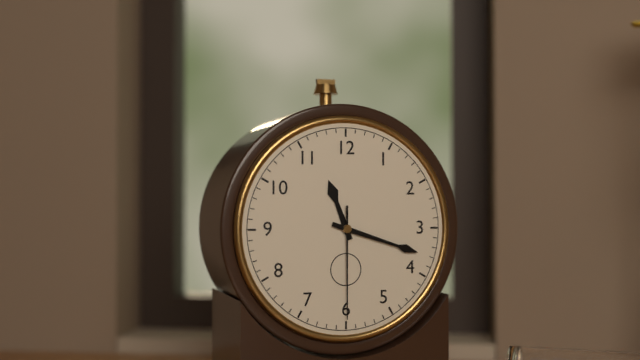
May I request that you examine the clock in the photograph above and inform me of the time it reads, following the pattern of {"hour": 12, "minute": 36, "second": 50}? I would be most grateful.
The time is {"hour": 11, "minute": 18, "second": 30}
